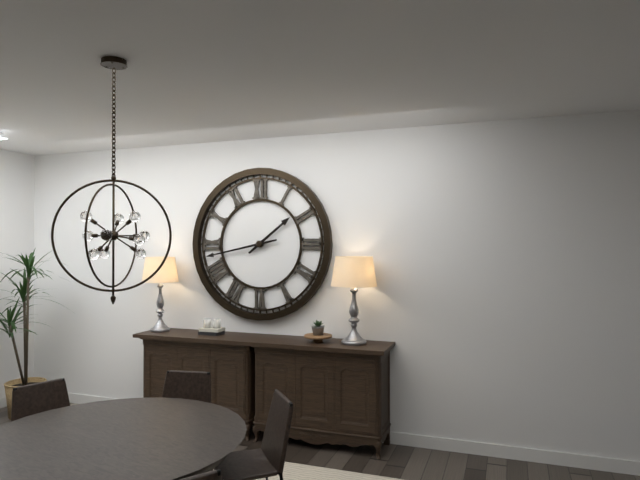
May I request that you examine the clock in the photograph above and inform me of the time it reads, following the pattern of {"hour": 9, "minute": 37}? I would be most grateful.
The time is {"hour": 1, "minute": 43}
